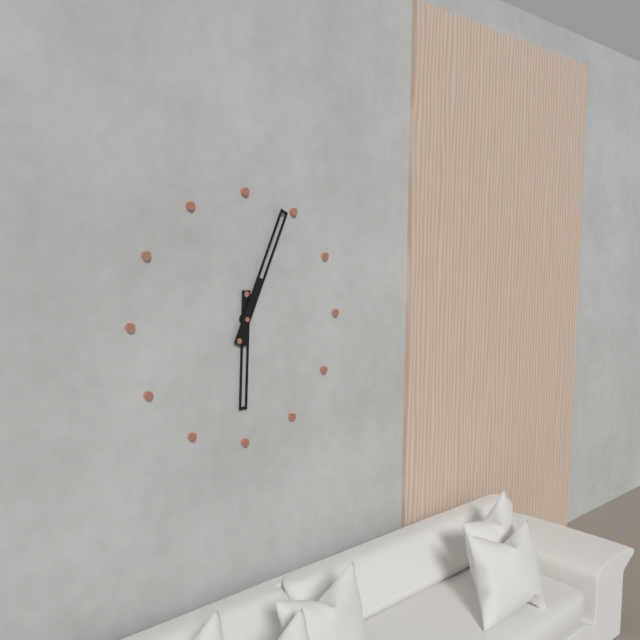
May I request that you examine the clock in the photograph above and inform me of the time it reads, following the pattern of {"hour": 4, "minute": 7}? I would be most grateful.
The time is {"hour": 6, "minute": 4}
